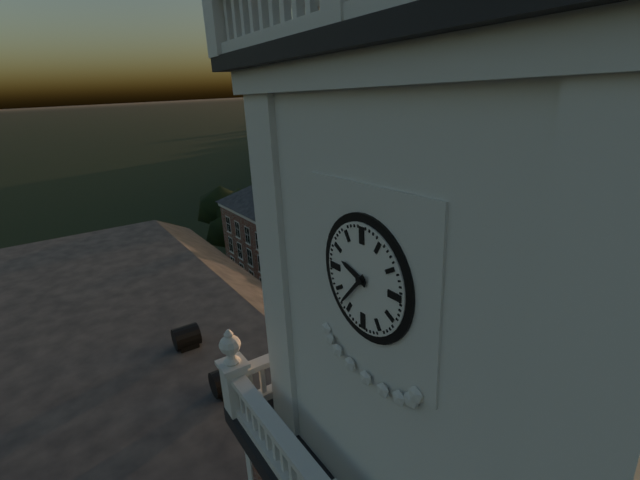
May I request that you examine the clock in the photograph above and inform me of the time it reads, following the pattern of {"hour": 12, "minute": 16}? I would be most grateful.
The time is {"hour": 9, "minute": 37}
